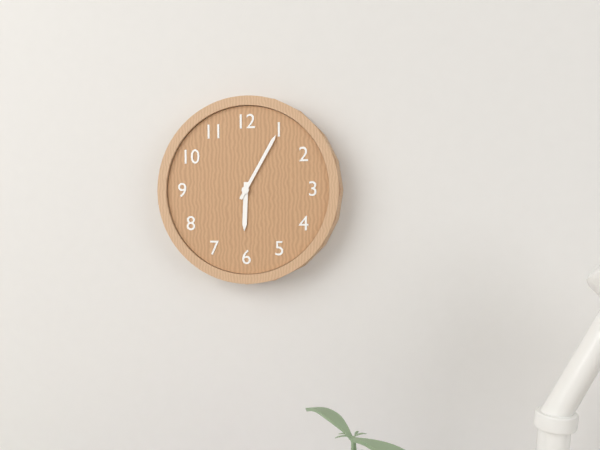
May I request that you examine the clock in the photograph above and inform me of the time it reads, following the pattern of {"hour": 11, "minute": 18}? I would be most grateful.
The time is {"hour": 6, "minute": 5}
